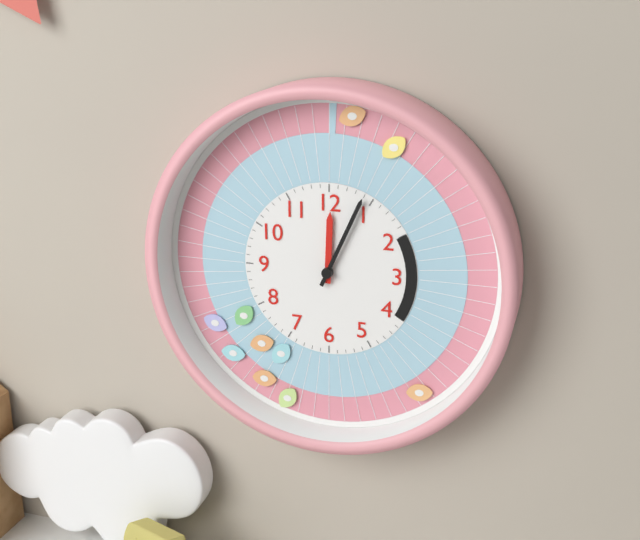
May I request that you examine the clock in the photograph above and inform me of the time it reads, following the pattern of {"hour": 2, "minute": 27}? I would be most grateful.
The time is {"hour": 12, "minute": 4}
